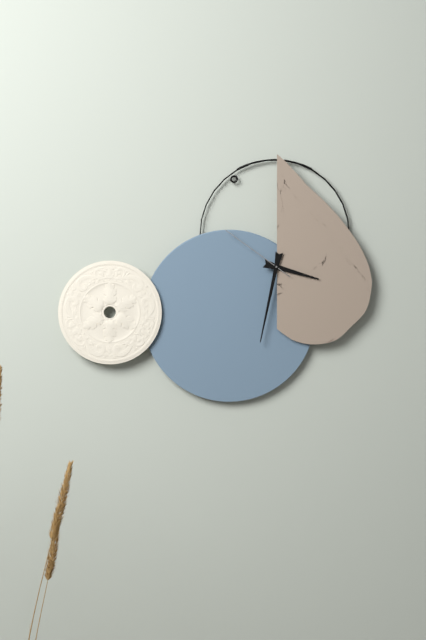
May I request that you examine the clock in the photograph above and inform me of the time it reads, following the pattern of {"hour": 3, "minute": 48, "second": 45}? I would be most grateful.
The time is {"hour": 3, "minute": 32, "second": 51}
